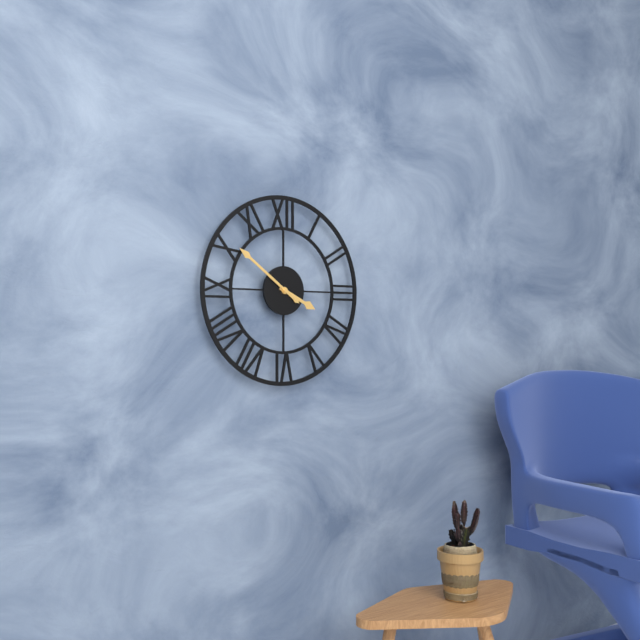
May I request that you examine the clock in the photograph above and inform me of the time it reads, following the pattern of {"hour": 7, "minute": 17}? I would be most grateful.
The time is {"hour": 3, "minute": 51}
